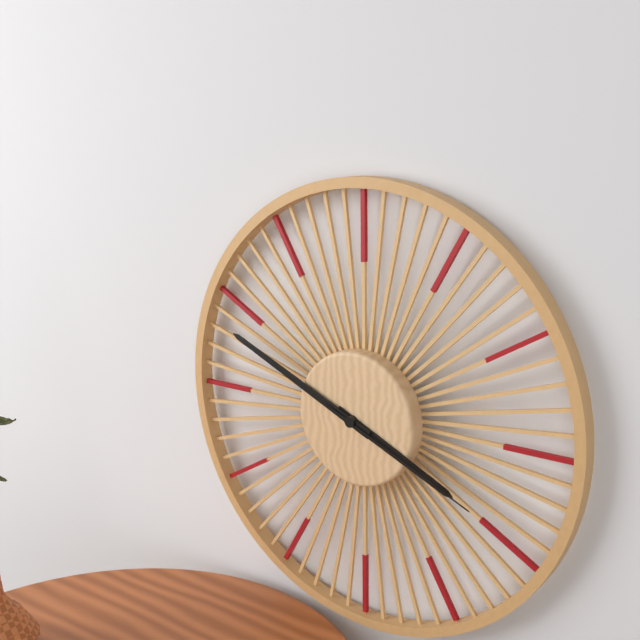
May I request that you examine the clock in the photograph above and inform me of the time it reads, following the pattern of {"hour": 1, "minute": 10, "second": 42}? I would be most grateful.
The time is {"hour": 3, "minute": 49, "second": 19}
